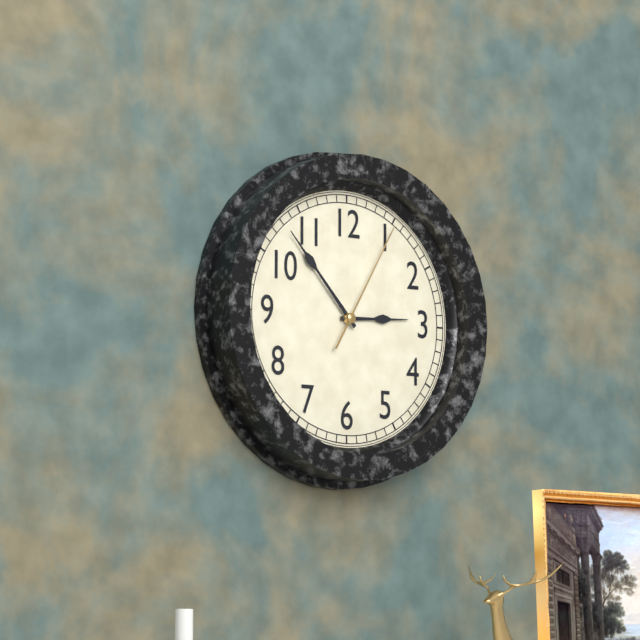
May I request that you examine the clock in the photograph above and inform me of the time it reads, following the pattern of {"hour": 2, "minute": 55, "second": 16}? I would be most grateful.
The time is {"hour": 2, "minute": 53, "second": 5}
